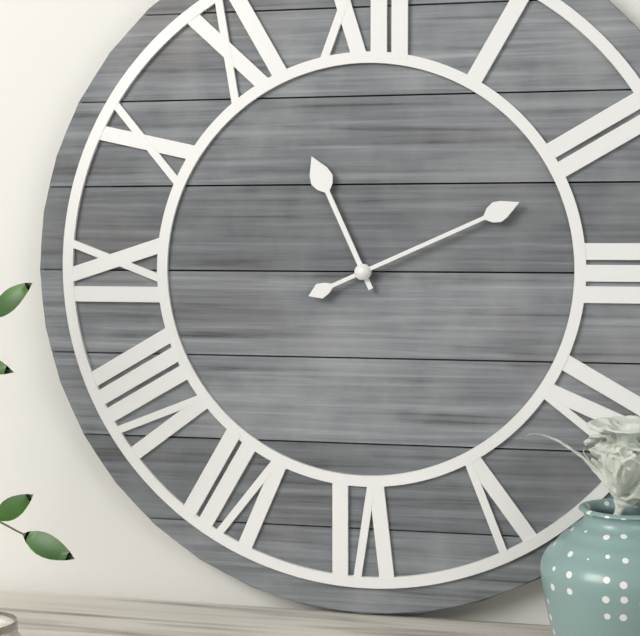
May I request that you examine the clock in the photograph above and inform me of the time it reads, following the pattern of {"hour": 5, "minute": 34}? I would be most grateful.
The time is {"hour": 11, "minute": 11}
